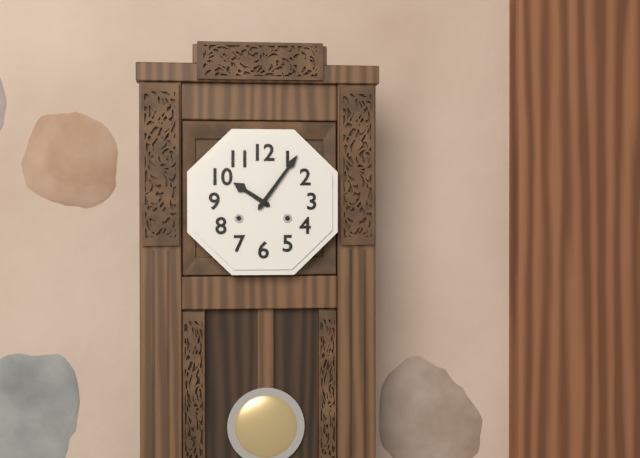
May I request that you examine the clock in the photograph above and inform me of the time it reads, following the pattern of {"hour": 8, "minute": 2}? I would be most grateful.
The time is {"hour": 10, "minute": 6}
